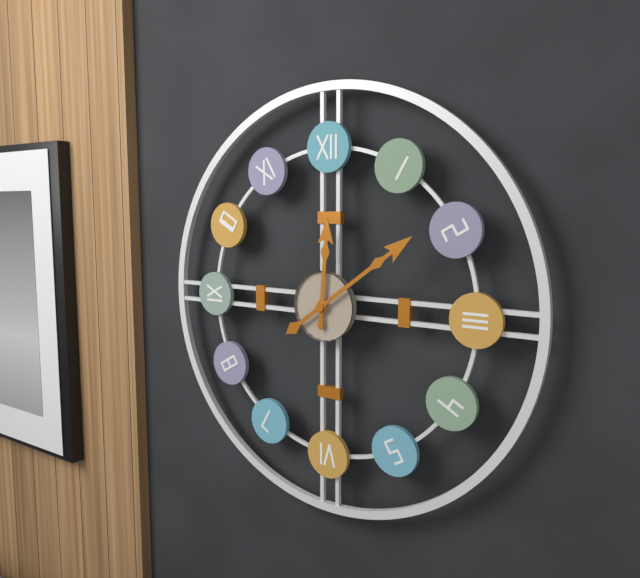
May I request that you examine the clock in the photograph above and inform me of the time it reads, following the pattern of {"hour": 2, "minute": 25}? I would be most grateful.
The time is {"hour": 12, "minute": 9}
